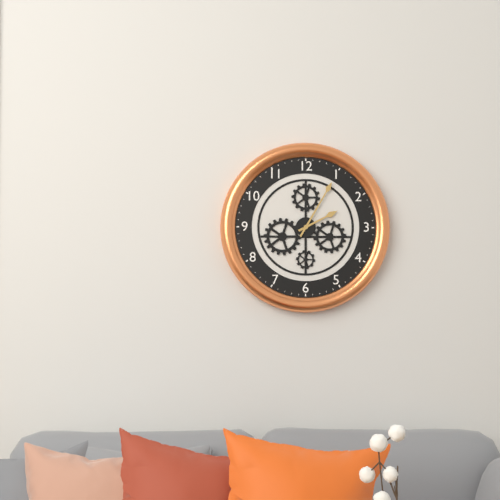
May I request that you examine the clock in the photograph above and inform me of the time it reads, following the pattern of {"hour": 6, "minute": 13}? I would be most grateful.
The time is {"hour": 2, "minute": 5}
